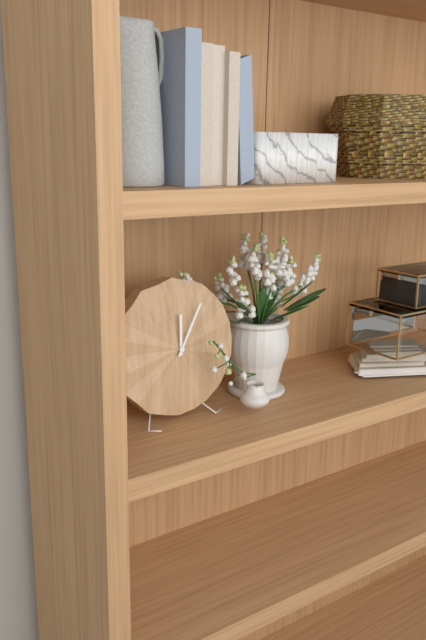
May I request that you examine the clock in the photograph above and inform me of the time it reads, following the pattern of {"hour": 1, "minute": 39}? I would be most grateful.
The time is {"hour": 12, "minute": 5}
